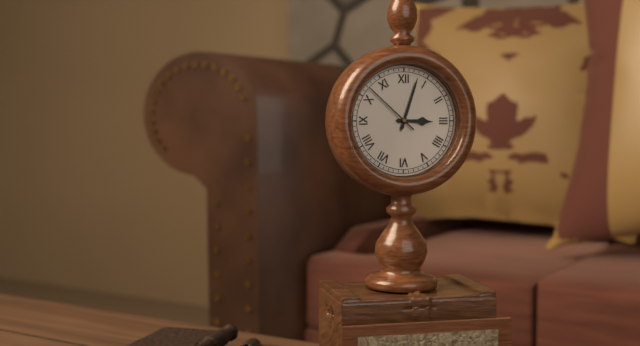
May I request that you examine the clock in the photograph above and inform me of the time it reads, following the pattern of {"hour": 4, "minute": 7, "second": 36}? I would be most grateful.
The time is {"hour": 3, "minute": 3, "second": 52}
